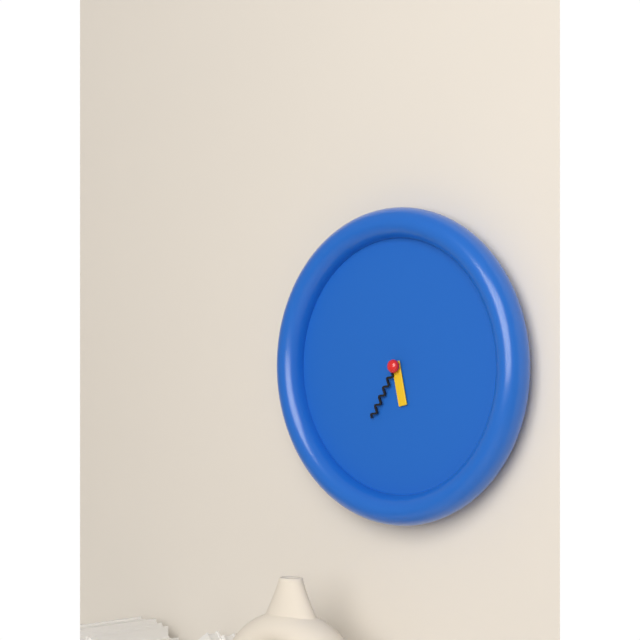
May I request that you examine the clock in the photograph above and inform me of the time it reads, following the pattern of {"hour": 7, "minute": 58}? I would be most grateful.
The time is {"hour": 5, "minute": 35}
